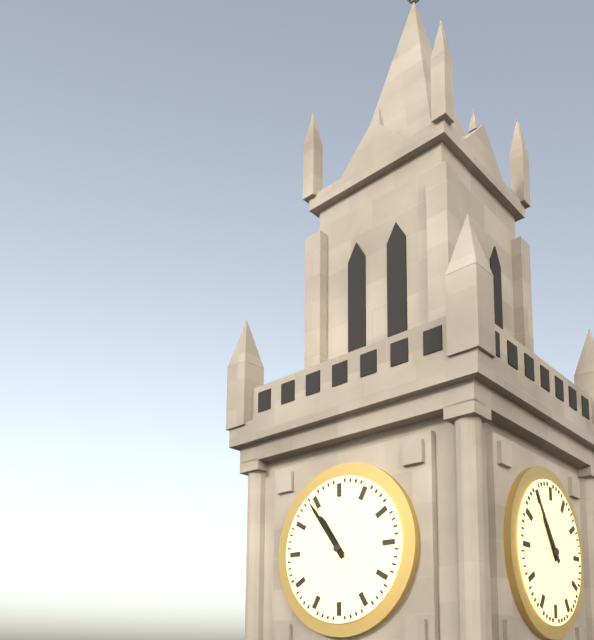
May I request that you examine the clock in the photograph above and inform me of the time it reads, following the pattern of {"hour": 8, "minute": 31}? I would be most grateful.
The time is {"hour": 10, "minute": 54}
